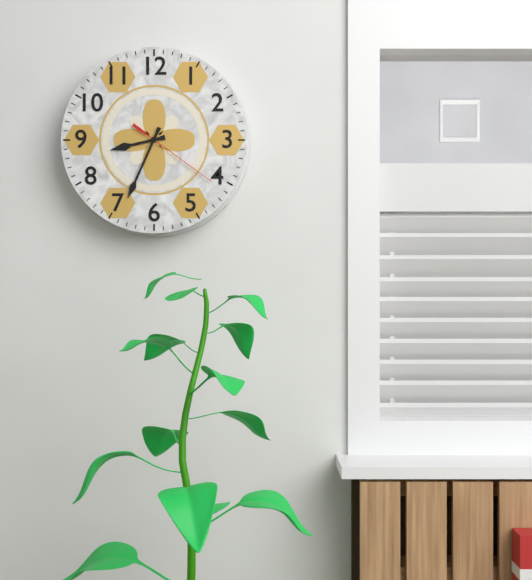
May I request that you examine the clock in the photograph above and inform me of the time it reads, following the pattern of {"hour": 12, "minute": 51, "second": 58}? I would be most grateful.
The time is {"hour": 8, "minute": 34, "second": 21}
